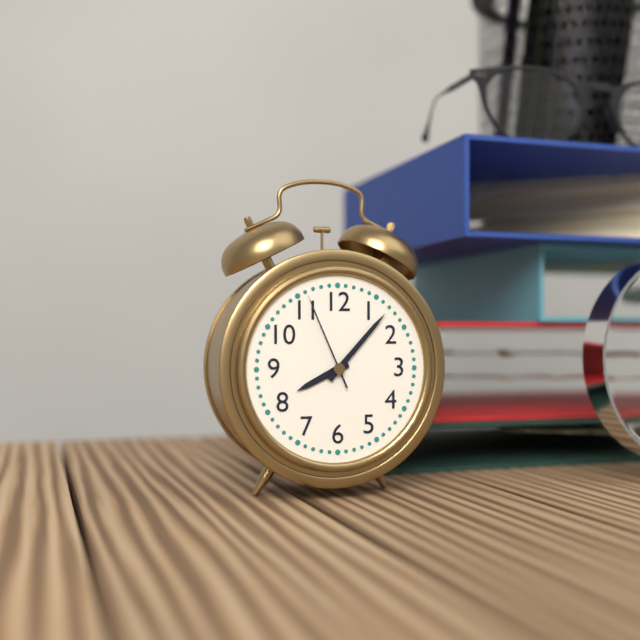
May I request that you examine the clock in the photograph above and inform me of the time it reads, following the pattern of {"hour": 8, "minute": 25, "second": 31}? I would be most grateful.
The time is {"hour": 8, "minute": 7, "second": 56}
